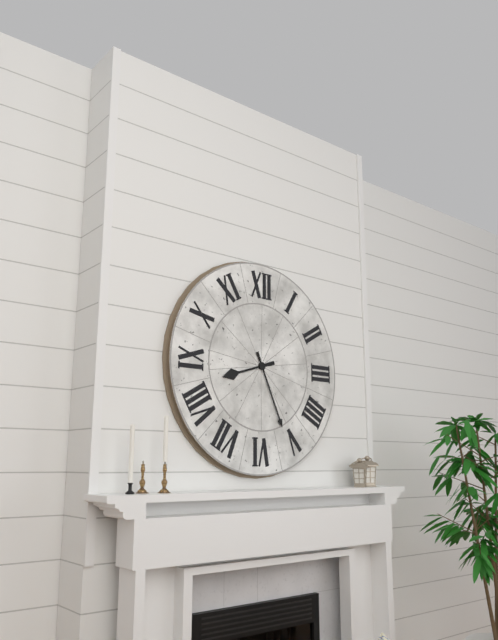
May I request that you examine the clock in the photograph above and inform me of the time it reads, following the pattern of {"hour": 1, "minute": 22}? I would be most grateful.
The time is {"hour": 8, "minute": 26}
